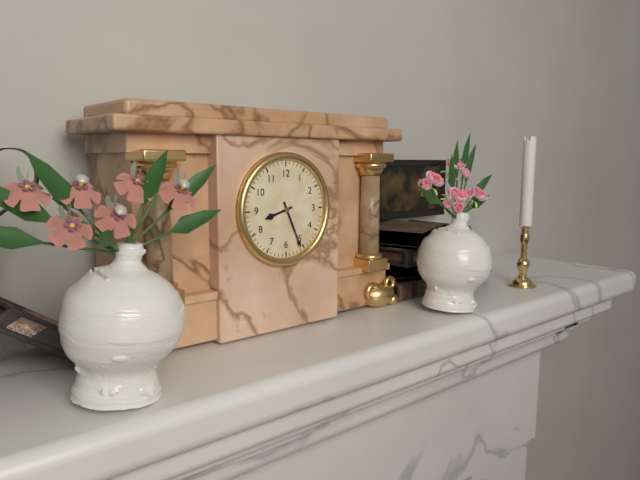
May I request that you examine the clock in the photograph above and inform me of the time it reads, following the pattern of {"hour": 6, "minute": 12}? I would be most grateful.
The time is {"hour": 8, "minute": 26}
